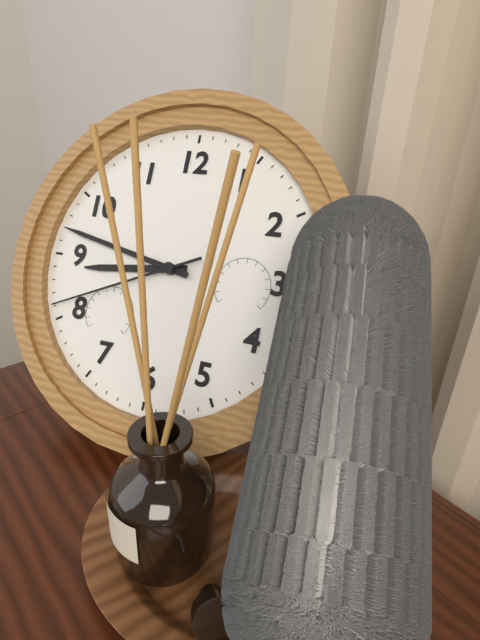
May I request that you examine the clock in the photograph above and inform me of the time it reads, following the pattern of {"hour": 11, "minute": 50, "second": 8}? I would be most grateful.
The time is {"hour": 8, "minute": 47, "second": 41}
